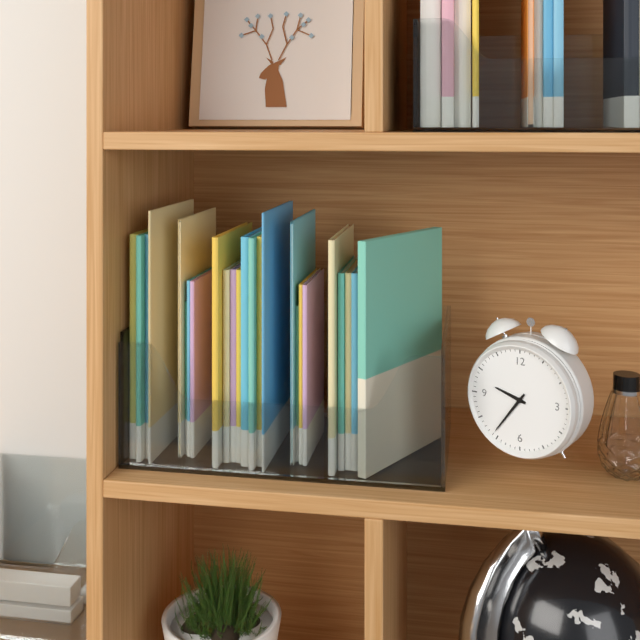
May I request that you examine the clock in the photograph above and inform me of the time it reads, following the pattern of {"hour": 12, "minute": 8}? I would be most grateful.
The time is {"hour": 9, "minute": 36}
